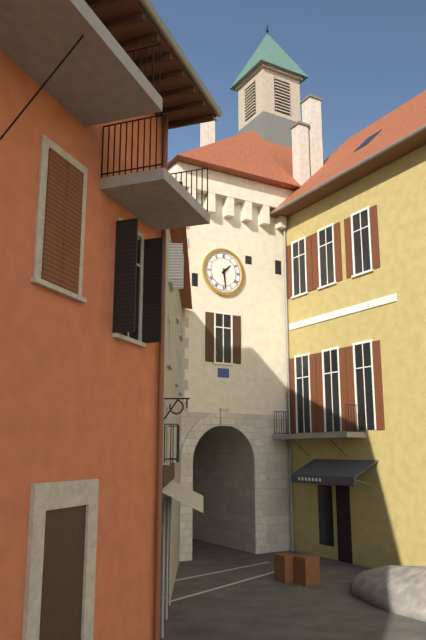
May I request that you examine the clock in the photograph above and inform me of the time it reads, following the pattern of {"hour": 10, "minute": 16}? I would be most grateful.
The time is {"hour": 1, "minute": 29}
